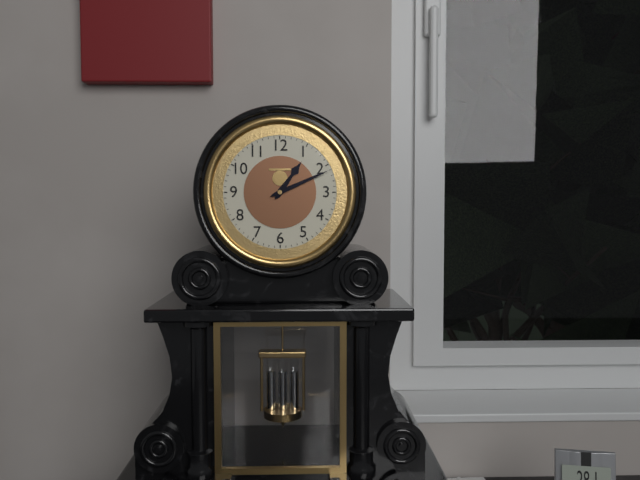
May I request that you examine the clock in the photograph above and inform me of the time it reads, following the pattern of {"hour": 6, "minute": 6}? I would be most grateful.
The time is {"hour": 1, "minute": 11}
